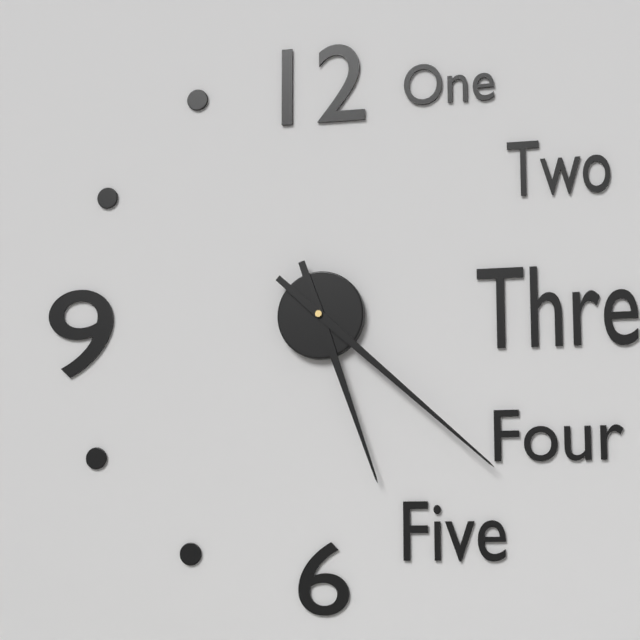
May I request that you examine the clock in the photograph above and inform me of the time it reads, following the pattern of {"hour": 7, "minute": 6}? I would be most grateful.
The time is {"hour": 5, "minute": 22}
